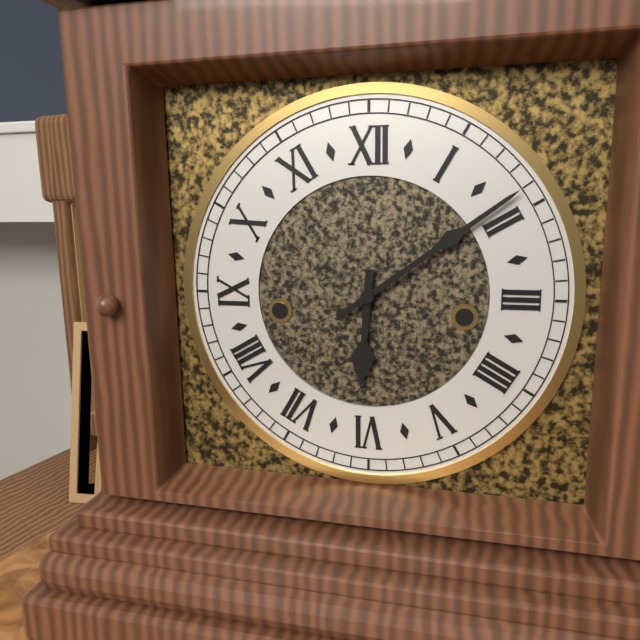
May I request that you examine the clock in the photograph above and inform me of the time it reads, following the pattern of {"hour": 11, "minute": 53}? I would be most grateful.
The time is {"hour": 6, "minute": 9}
